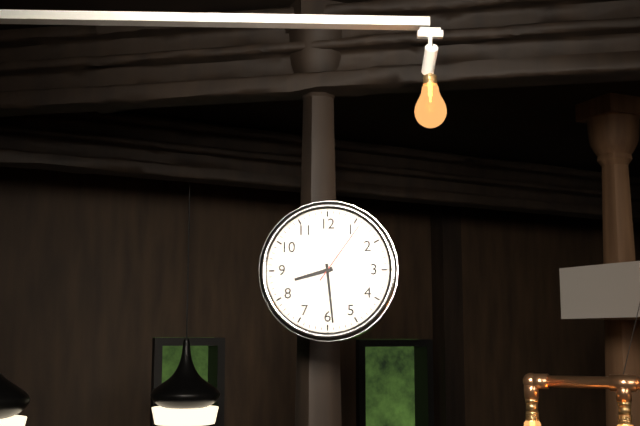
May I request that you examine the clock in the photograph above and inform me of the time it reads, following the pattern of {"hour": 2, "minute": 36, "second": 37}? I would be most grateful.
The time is {"hour": 8, "minute": 29, "second": 6}
